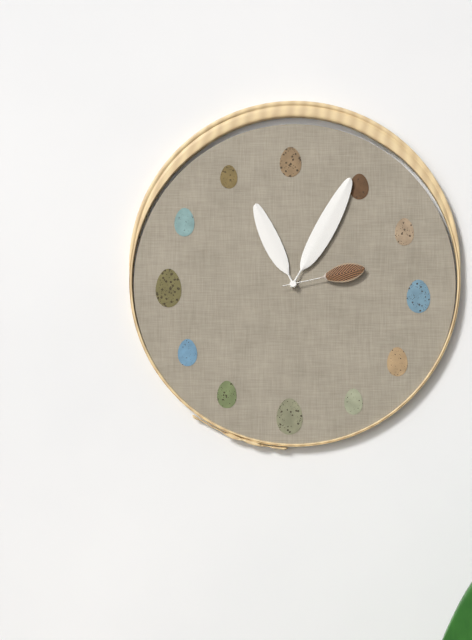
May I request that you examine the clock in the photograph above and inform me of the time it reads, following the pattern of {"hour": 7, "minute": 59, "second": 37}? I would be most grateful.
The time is {"hour": 11, "minute": 5, "second": 13}
